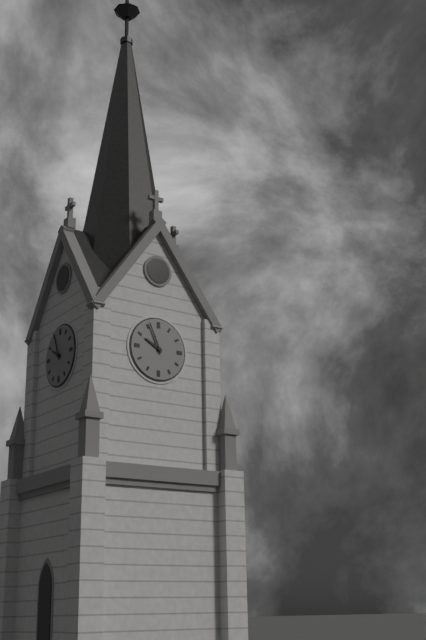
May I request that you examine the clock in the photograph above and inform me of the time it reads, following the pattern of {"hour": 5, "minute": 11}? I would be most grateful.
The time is {"hour": 9, "minute": 56}
